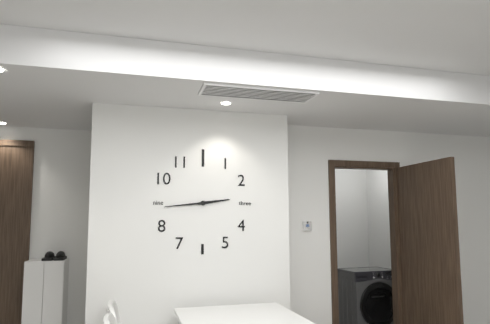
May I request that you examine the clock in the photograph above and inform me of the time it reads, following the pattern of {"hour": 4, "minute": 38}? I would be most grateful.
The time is {"hour": 2, "minute": 44}
